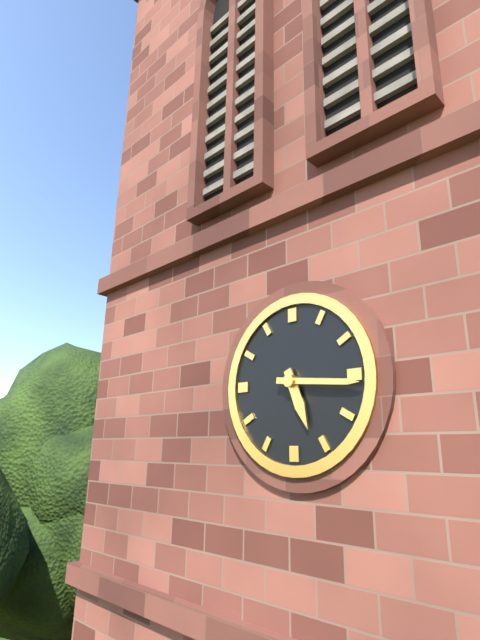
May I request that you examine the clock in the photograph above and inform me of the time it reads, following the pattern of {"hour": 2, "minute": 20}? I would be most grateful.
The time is {"hour": 5, "minute": 16}
